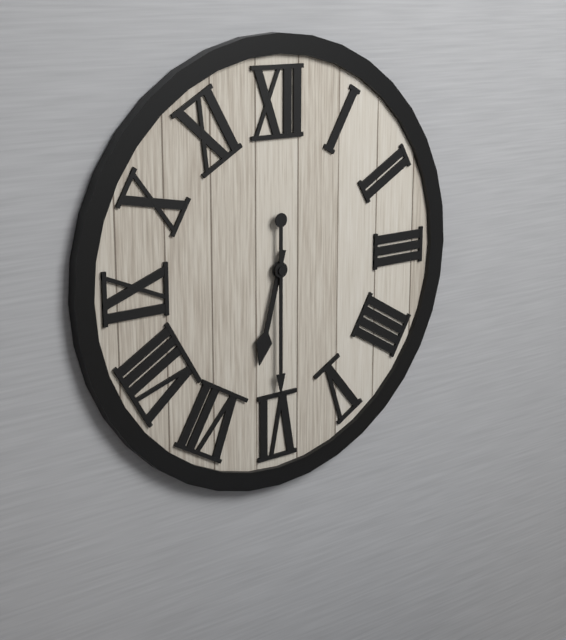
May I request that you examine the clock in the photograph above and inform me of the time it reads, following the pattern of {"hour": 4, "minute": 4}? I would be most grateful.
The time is {"hour": 6, "minute": 30}
